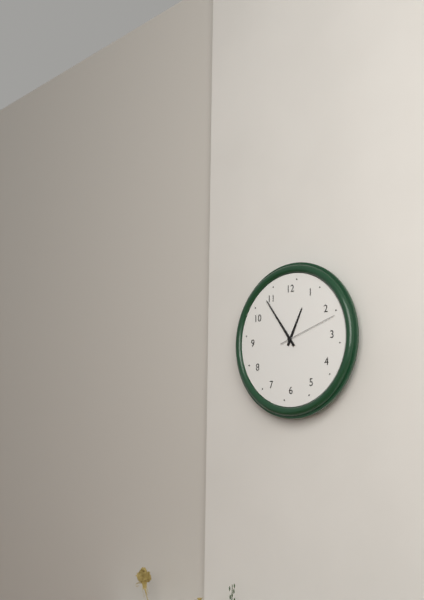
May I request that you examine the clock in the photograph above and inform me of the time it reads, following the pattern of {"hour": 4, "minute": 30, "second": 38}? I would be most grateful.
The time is {"hour": 12, "minute": 54, "second": 12}
